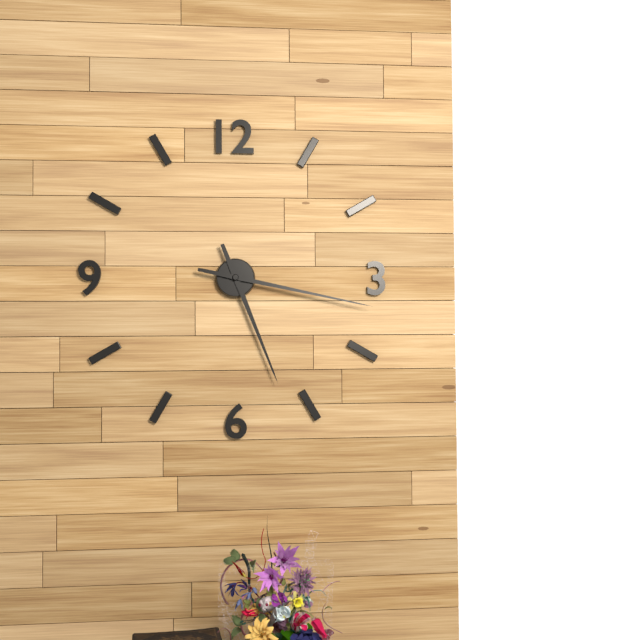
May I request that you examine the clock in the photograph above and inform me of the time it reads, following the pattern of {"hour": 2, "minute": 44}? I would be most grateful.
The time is {"hour": 5, "minute": 17}
